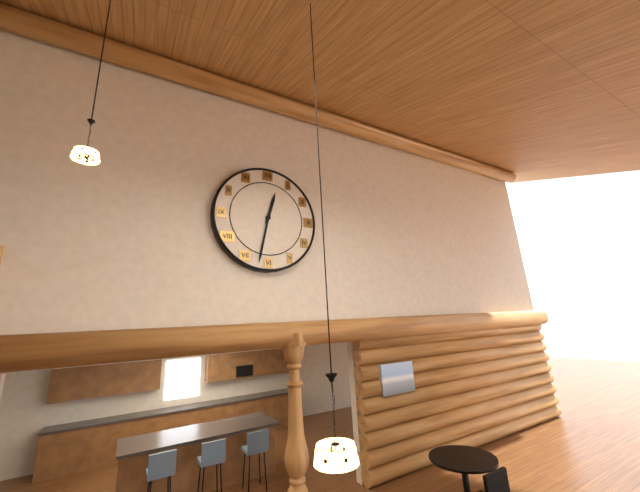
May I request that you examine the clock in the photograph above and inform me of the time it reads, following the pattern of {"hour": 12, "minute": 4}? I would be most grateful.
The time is {"hour": 12, "minute": 32}
